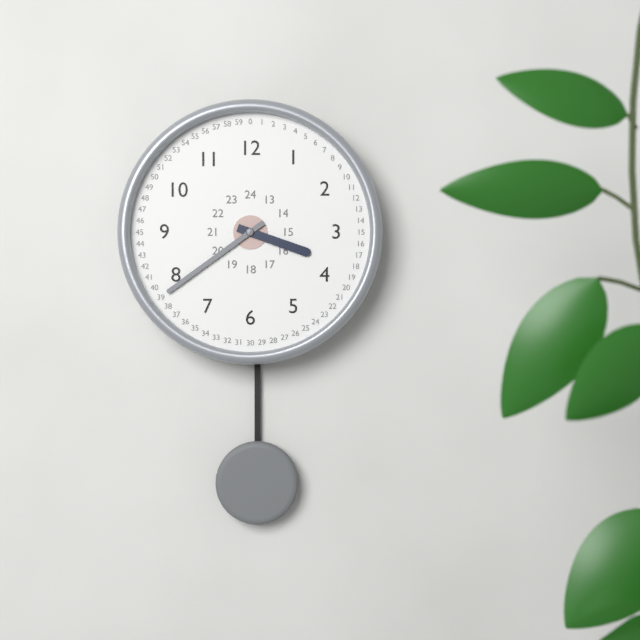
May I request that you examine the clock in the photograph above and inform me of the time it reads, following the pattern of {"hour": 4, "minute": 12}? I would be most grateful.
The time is {"hour": 3, "minute": 39}
